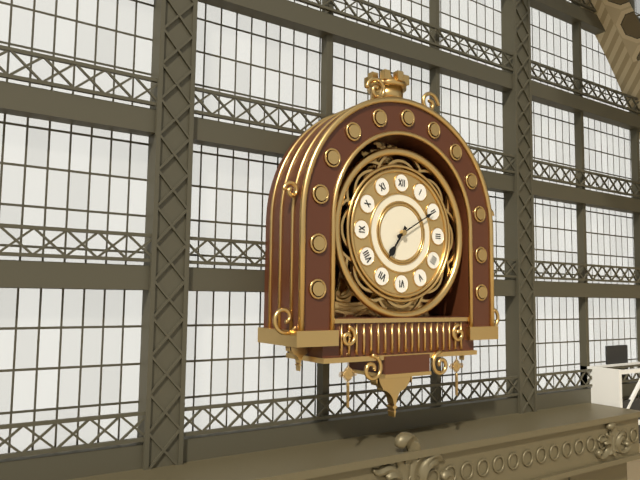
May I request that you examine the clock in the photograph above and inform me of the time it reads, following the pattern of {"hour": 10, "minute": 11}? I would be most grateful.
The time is {"hour": 7, "minute": 10}
